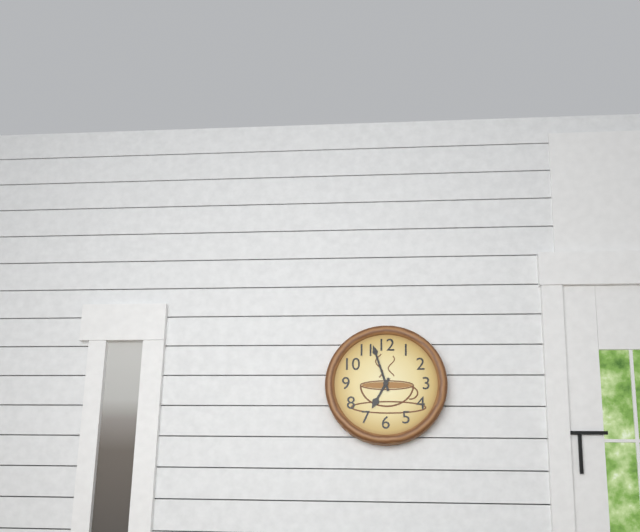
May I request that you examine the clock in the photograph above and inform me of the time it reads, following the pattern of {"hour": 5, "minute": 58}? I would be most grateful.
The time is {"hour": 6, "minute": 57}
